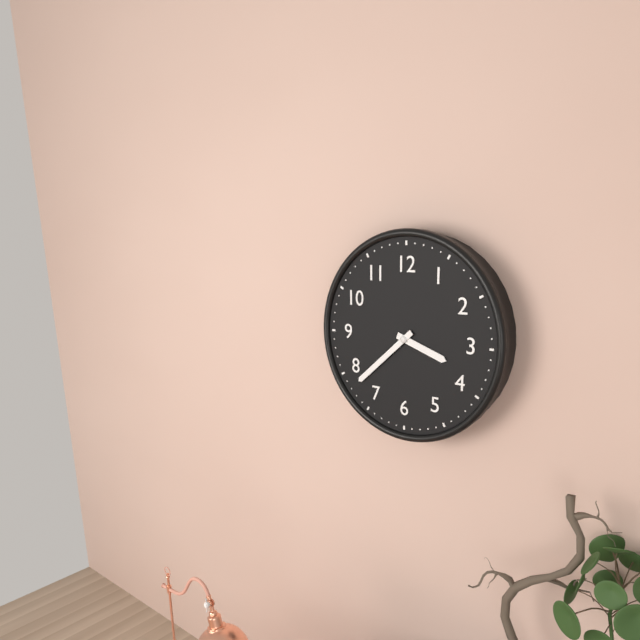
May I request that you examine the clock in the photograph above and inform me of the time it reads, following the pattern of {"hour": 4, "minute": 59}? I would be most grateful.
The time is {"hour": 3, "minute": 38}
